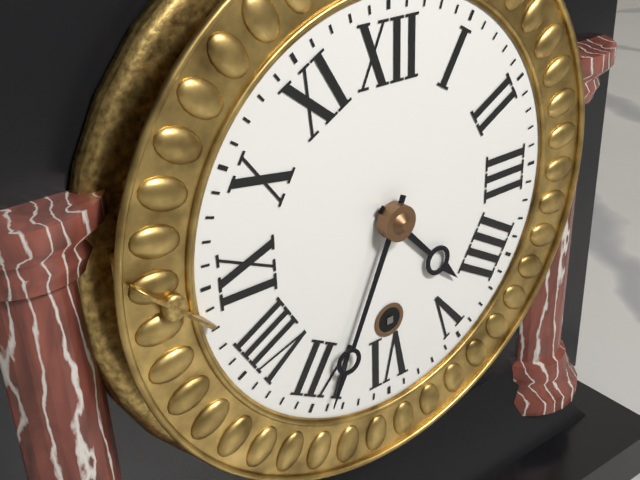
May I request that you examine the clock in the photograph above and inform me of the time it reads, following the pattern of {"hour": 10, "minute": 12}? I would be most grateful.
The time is {"hour": 4, "minute": 34}
